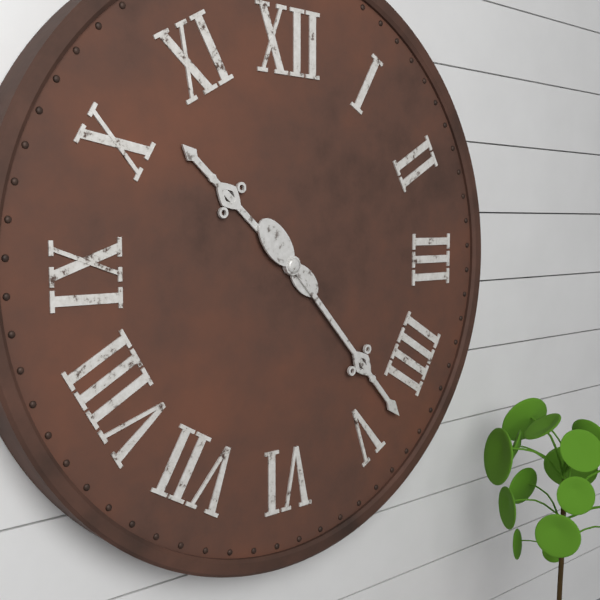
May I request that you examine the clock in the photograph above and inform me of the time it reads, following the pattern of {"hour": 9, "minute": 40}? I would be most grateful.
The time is {"hour": 10, "minute": 23}
